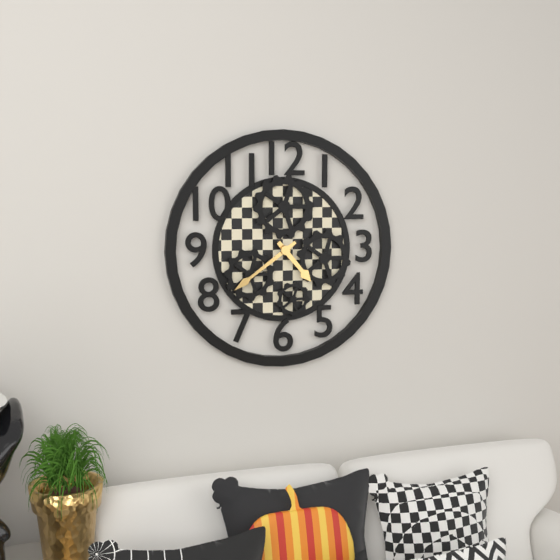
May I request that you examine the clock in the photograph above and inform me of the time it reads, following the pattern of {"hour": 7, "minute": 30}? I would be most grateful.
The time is {"hour": 4, "minute": 39}
